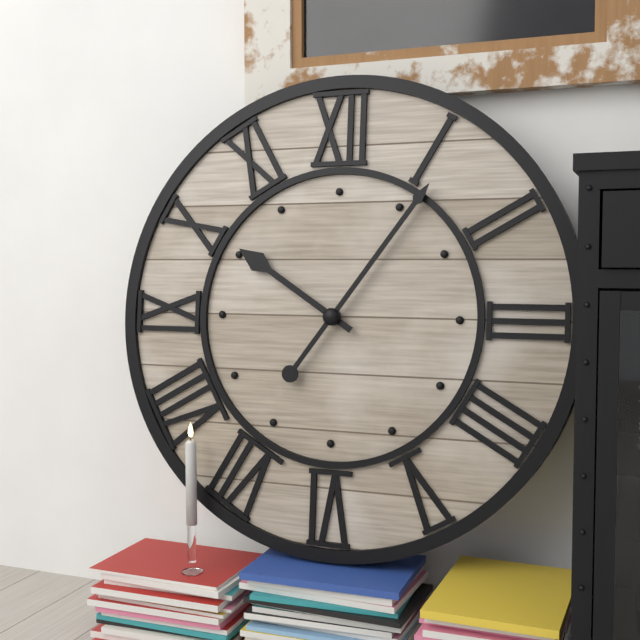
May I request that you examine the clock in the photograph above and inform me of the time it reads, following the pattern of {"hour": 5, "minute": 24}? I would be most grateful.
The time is {"hour": 10, "minute": 6}
